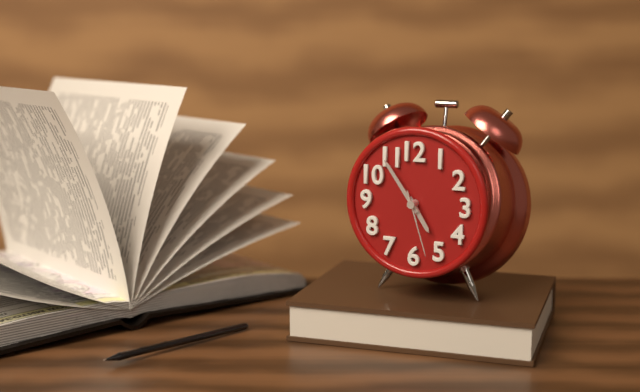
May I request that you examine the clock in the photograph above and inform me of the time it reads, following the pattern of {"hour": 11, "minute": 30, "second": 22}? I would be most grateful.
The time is {"hour": 4, "minute": 54, "second": 27}
